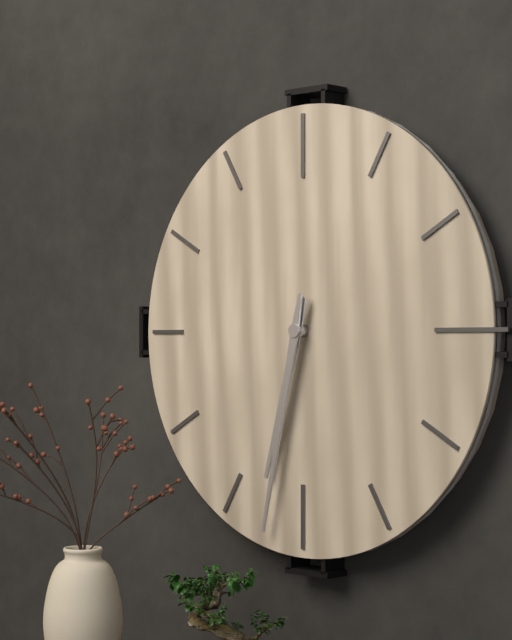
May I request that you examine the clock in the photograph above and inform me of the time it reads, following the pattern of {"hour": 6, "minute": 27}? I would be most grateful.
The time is {"hour": 6, "minute": 32}
